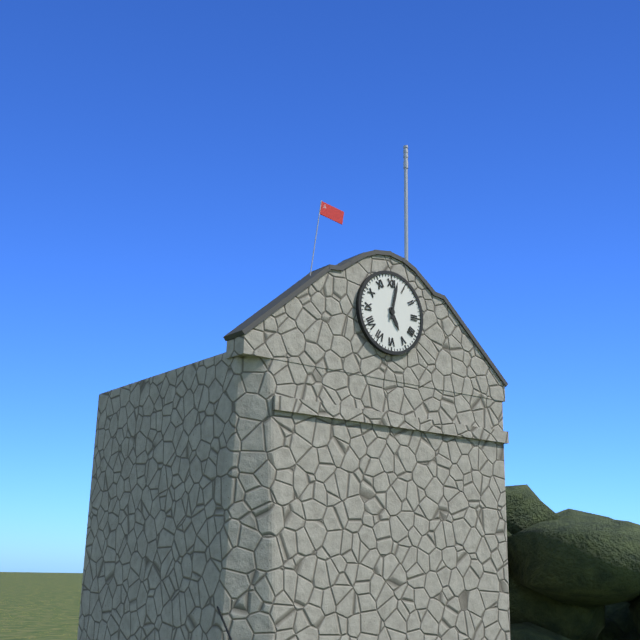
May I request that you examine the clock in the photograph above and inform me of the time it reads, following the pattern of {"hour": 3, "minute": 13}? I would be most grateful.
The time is {"hour": 5, "minute": 2}
